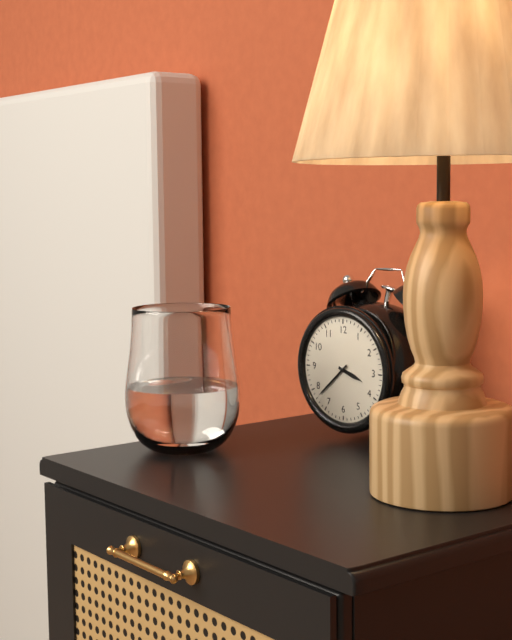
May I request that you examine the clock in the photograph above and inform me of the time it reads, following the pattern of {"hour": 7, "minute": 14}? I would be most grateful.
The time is {"hour": 3, "minute": 38}
